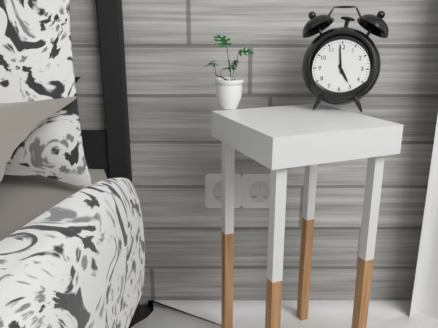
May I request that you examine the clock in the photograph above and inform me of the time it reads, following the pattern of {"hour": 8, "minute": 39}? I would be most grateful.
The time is {"hour": 4, "minute": 59}
